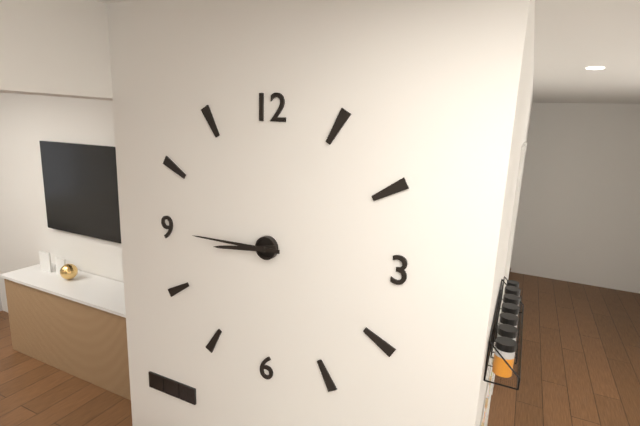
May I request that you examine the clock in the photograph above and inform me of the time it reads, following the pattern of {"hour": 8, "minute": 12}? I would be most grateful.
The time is {"hour": 8, "minute": 45}
